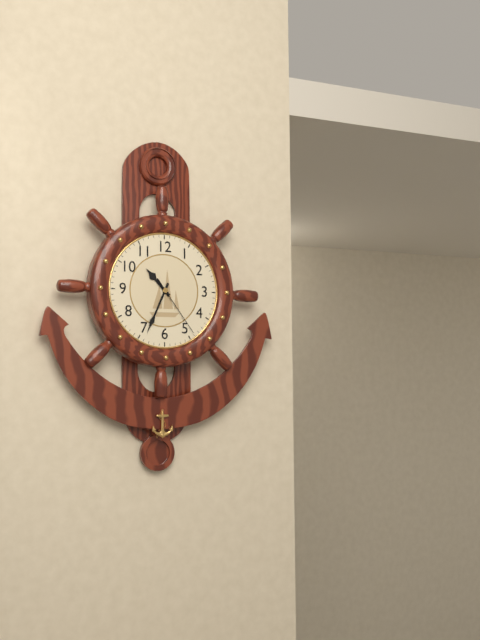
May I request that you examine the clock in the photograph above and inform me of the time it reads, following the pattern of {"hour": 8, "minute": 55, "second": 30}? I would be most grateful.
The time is {"hour": 10, "minute": 34, "second": 24}
